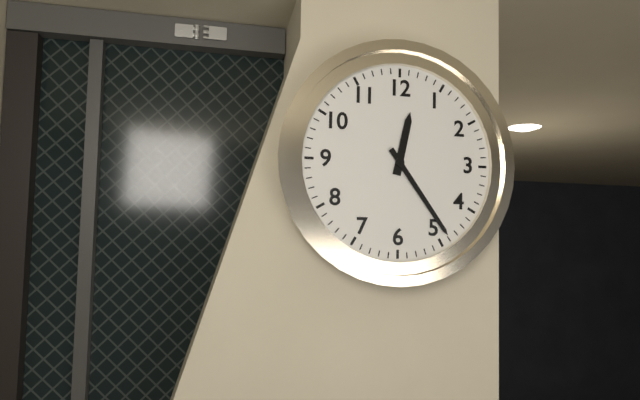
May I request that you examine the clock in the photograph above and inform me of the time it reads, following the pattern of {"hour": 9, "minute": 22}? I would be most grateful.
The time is {"hour": 12, "minute": 24}
